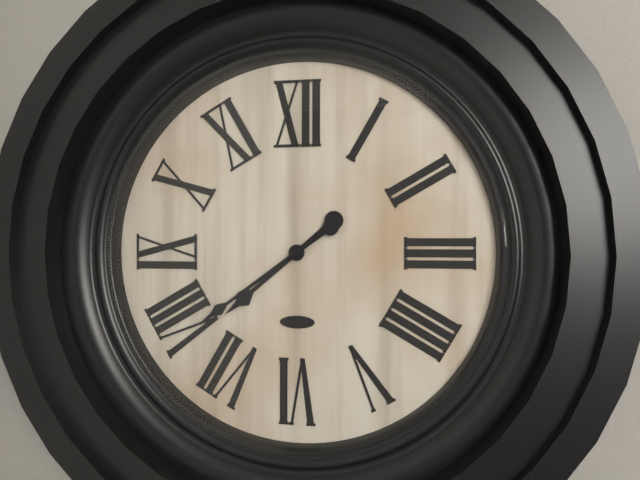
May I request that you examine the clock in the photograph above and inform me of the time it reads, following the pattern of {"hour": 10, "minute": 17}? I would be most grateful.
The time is {"hour": 7, "minute": 39}
